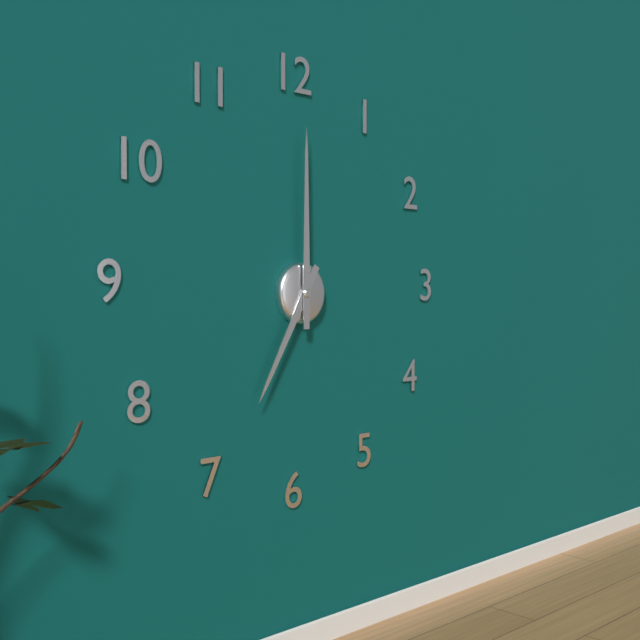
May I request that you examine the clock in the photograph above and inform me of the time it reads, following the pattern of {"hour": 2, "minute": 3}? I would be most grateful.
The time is {"hour": 7, "minute": 0}
